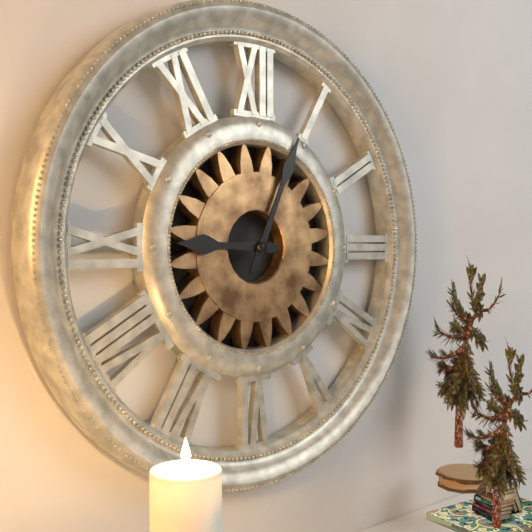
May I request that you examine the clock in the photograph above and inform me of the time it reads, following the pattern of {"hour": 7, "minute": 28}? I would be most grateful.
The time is {"hour": 9, "minute": 4}
